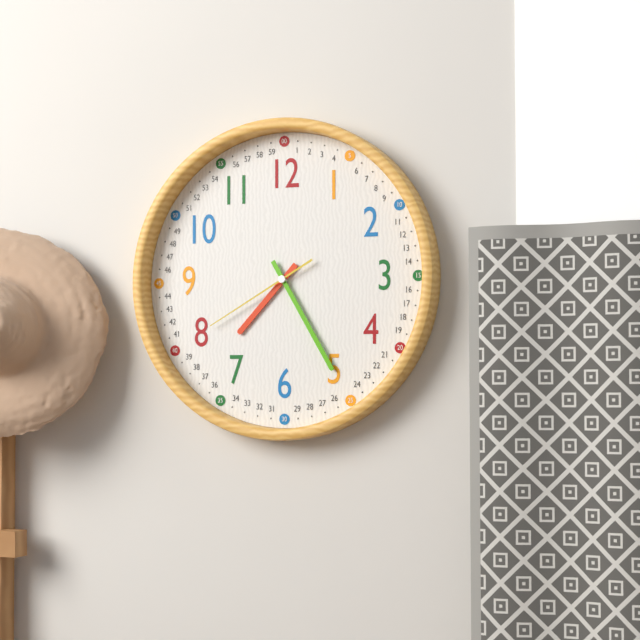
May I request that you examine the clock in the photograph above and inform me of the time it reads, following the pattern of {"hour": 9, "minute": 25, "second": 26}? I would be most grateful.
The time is {"hour": 7, "minute": 25, "second": 40}
